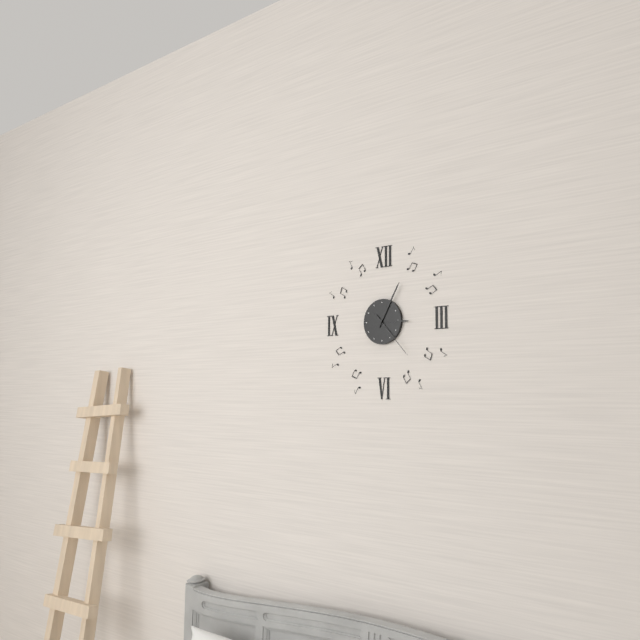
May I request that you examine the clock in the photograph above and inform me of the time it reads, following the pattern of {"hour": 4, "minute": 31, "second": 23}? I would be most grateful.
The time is {"hour": 3, "minute": 5, "second": 23}
